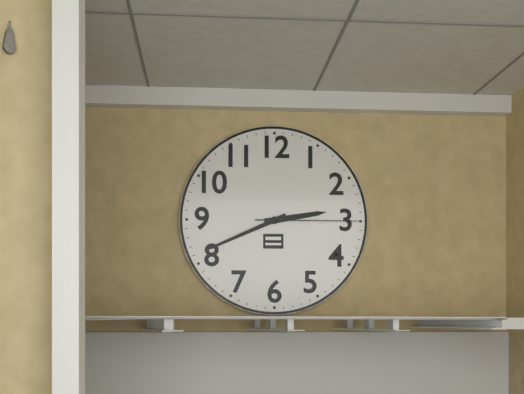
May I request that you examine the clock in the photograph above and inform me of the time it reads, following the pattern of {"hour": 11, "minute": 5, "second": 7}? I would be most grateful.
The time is {"hour": 2, "minute": 41, "second": 15}
